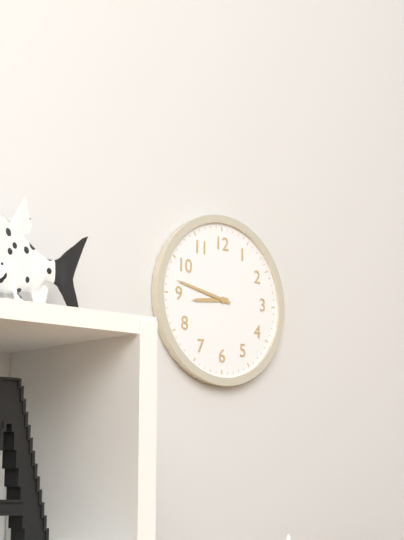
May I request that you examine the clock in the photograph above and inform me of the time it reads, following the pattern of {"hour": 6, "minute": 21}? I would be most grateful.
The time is {"hour": 8, "minute": 47}
